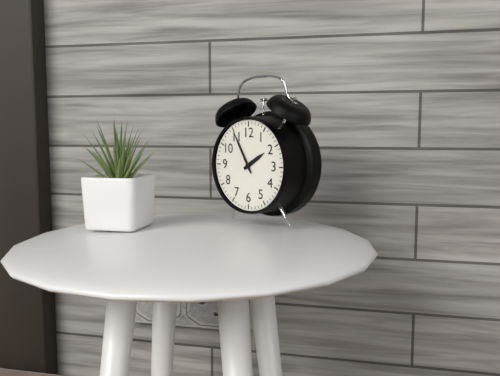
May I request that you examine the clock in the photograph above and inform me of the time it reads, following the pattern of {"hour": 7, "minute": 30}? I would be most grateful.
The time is {"hour": 1, "minute": 55}
